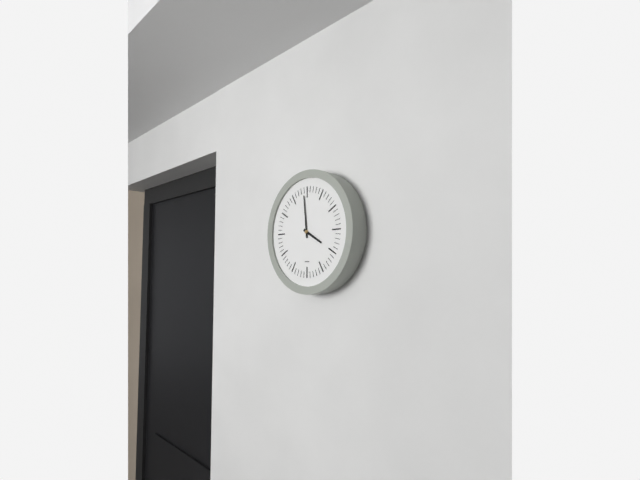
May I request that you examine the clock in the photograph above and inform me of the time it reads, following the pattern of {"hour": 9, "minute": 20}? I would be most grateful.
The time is {"hour": 3, "minute": 59}
